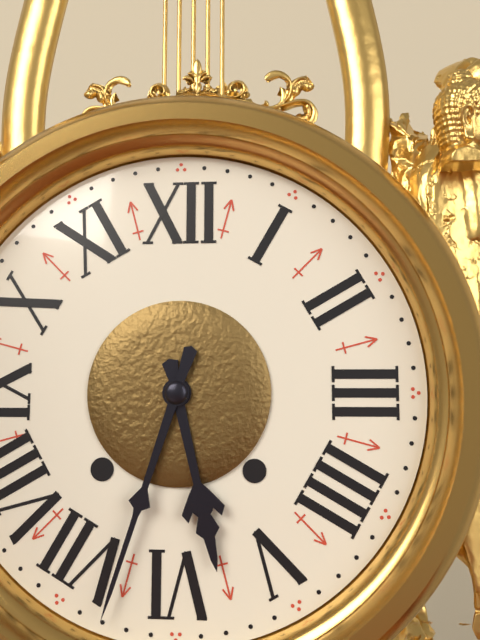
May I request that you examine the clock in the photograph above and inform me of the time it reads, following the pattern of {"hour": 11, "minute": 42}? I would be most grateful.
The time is {"hour": 5, "minute": 33}
